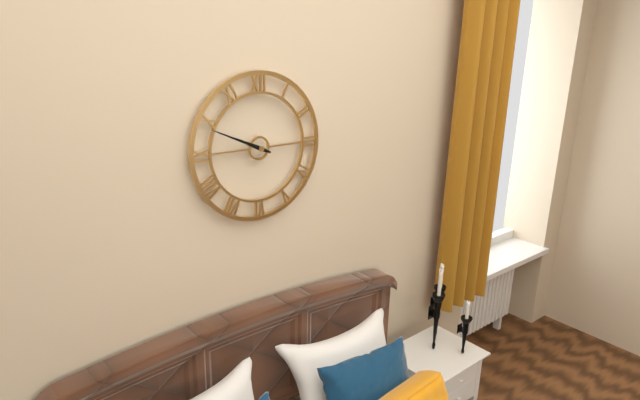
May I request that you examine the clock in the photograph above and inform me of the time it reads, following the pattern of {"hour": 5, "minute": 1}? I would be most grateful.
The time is {"hour": 9, "minute": 49}
